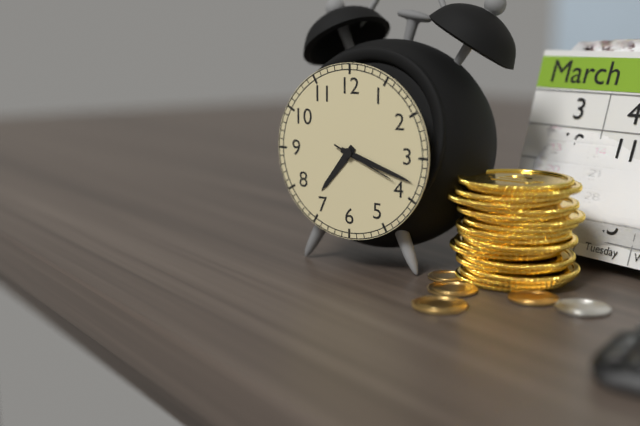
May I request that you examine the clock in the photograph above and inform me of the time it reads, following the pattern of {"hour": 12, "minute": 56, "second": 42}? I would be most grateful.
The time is {"hour": 7, "minute": 18, "second": 19}
